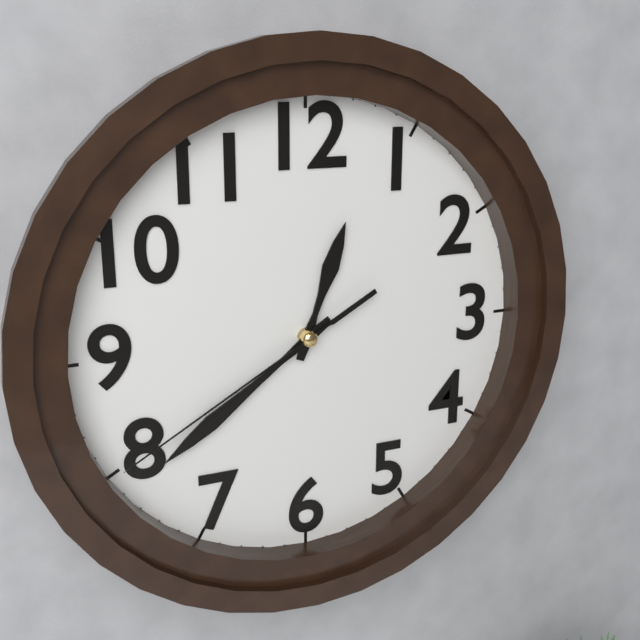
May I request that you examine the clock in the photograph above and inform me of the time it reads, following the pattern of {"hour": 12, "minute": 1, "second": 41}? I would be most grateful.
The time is {"hour": 12, "minute": 39, "second": 40}
